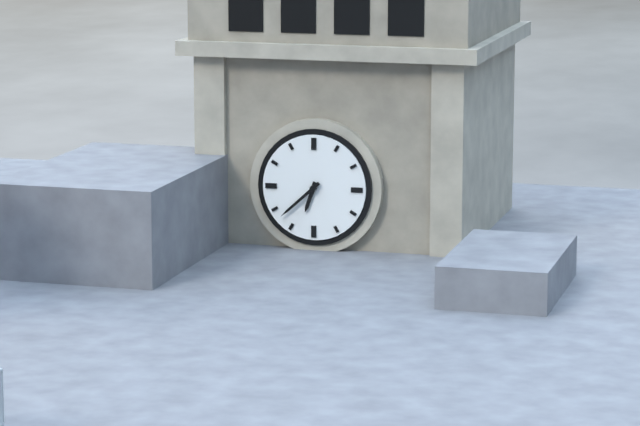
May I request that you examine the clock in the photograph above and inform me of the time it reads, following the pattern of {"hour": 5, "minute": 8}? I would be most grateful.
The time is {"hour": 6, "minute": 38}
